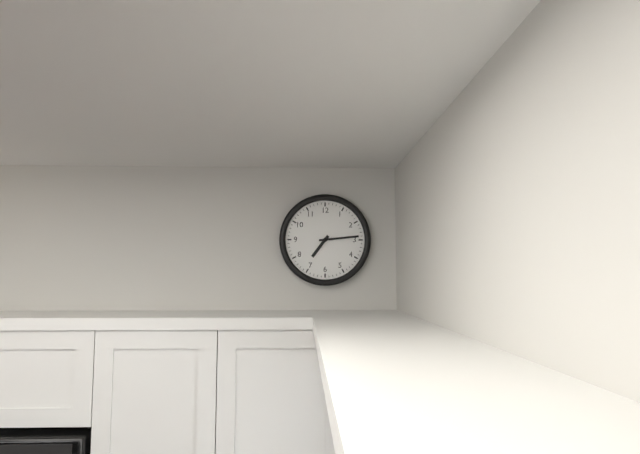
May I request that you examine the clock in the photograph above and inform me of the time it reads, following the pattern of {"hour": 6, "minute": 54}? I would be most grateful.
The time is {"hour": 7, "minute": 14}
